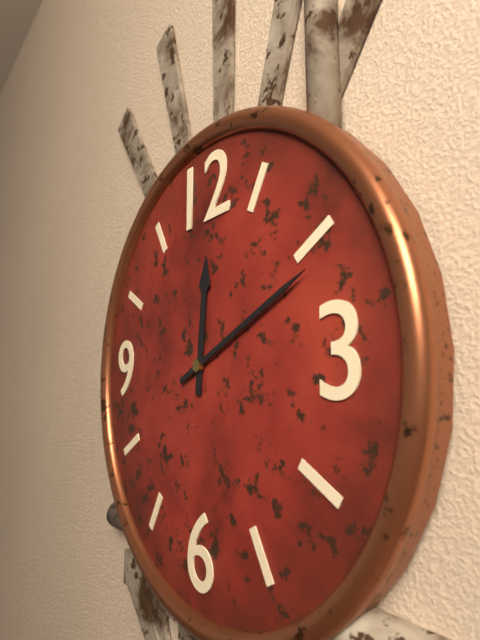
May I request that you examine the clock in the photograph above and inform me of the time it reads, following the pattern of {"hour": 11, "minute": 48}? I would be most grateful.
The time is {"hour": 12, "minute": 11}
